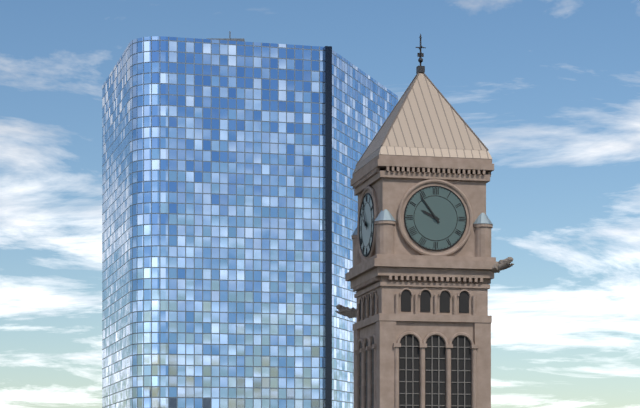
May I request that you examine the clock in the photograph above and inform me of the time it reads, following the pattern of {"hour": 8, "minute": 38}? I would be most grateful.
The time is {"hour": 9, "minute": 54}
